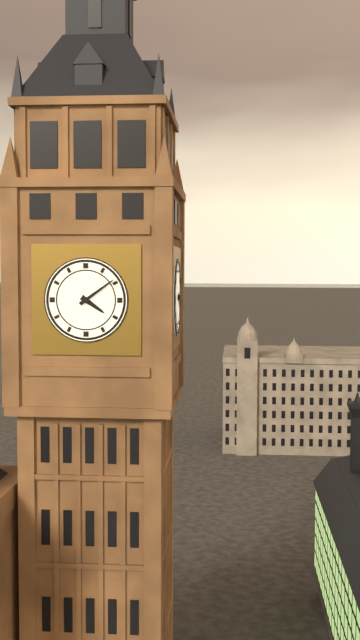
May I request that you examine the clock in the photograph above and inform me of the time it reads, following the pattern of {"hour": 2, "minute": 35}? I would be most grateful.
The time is {"hour": 4, "minute": 9}
